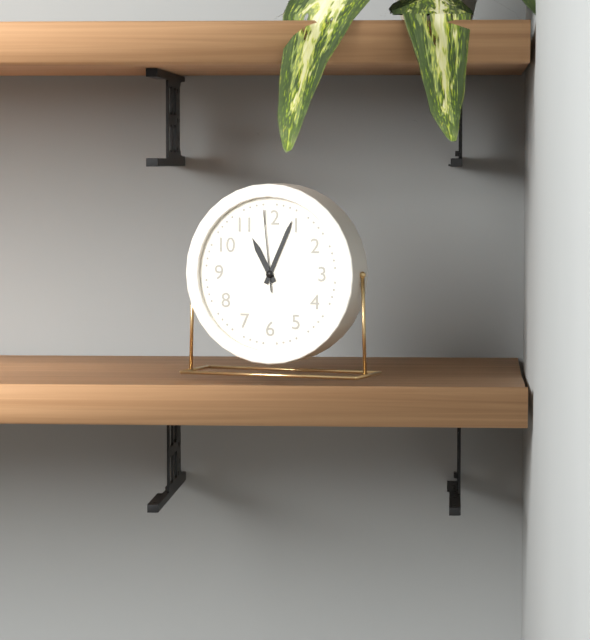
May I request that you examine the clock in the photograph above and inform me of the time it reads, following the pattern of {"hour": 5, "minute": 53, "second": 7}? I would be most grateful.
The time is {"hour": 11, "minute": 4, "second": 59}
